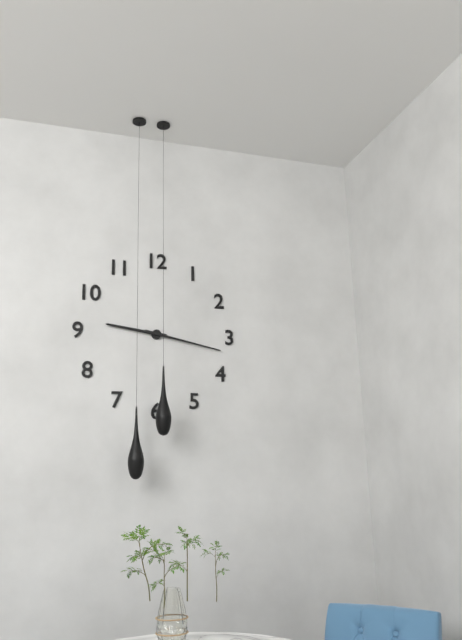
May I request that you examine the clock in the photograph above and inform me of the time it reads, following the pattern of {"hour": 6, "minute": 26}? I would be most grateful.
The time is {"hour": 9, "minute": 17}
